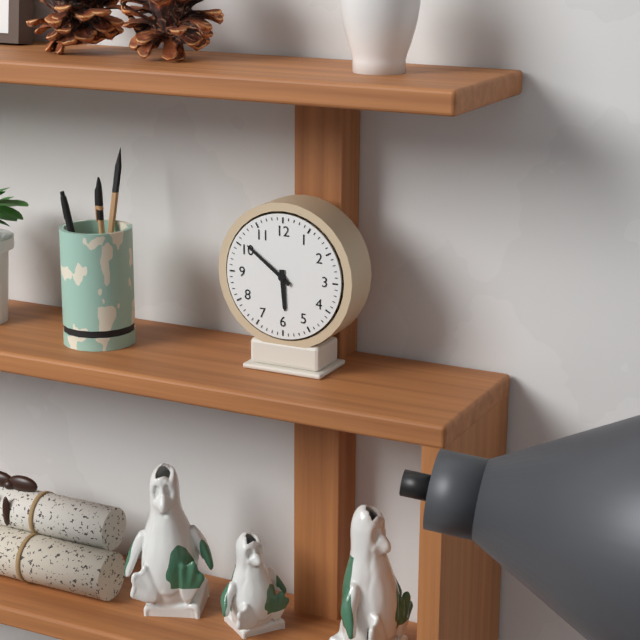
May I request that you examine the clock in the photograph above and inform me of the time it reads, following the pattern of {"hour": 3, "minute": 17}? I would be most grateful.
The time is {"hour": 5, "minute": 51}
